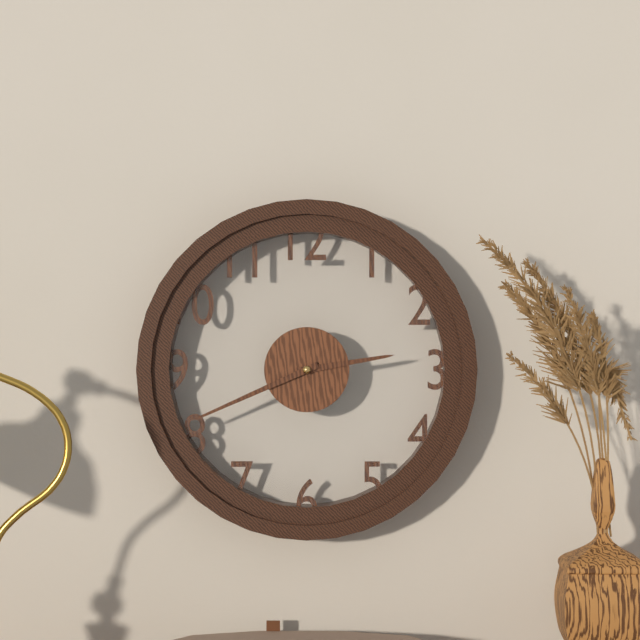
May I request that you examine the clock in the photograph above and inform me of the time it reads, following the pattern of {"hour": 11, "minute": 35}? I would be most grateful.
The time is {"hour": 2, "minute": 41}
